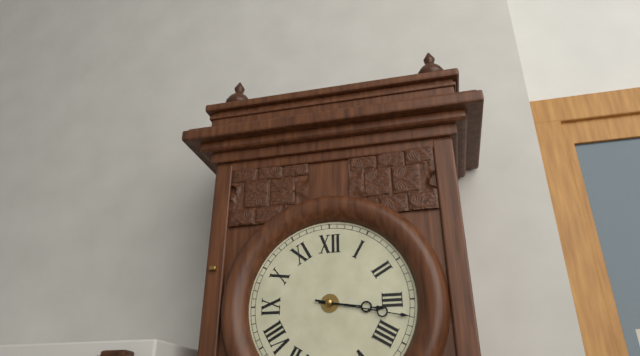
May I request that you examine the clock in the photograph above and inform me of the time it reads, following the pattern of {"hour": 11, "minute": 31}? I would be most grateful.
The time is {"hour": 3, "minute": 17}
